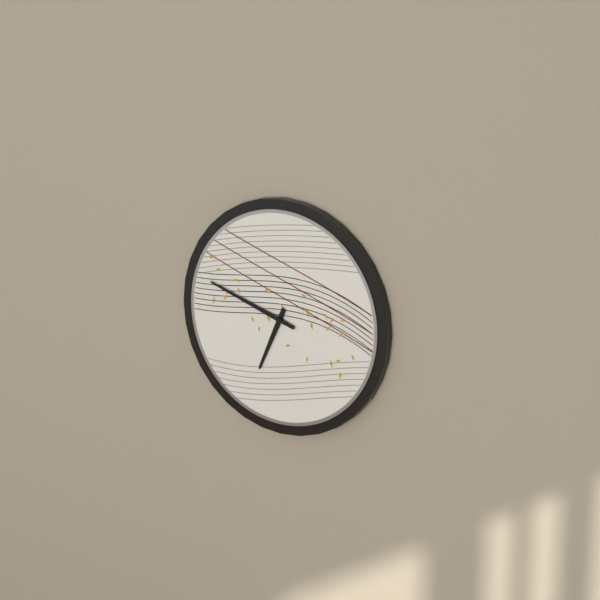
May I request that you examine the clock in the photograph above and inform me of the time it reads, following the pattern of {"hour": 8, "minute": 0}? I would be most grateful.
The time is {"hour": 6, "minute": 48}
